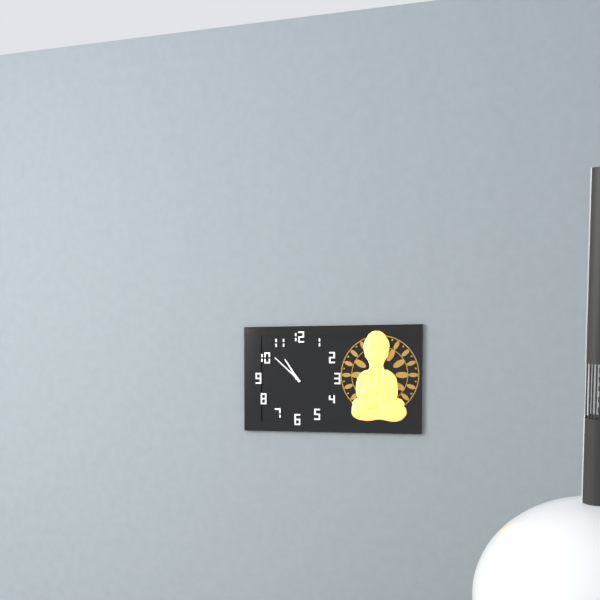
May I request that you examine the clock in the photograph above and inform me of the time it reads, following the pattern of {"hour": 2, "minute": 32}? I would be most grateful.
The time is {"hour": 10, "minute": 52}
